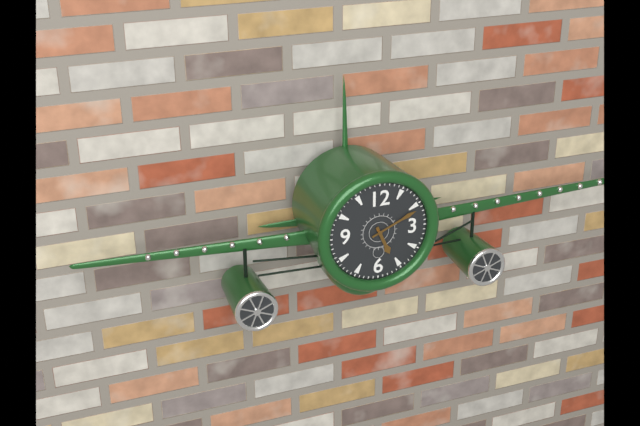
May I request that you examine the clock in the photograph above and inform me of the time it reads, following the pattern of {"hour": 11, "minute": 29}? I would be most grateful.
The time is {"hour": 5, "minute": 11}
